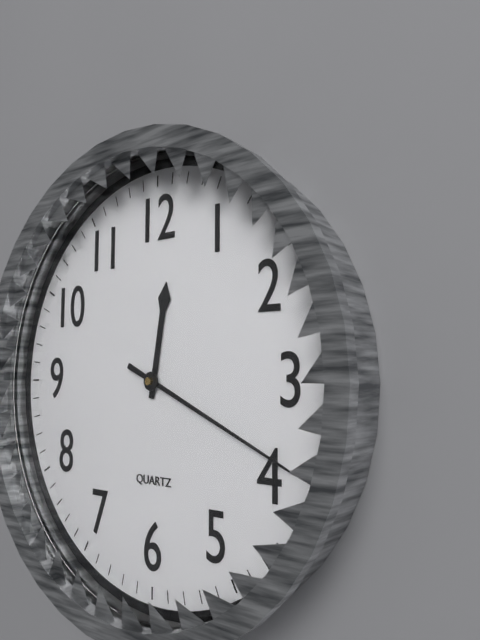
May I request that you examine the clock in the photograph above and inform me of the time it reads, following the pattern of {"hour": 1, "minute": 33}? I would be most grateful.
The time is {"hour": 12, "minute": 19}
